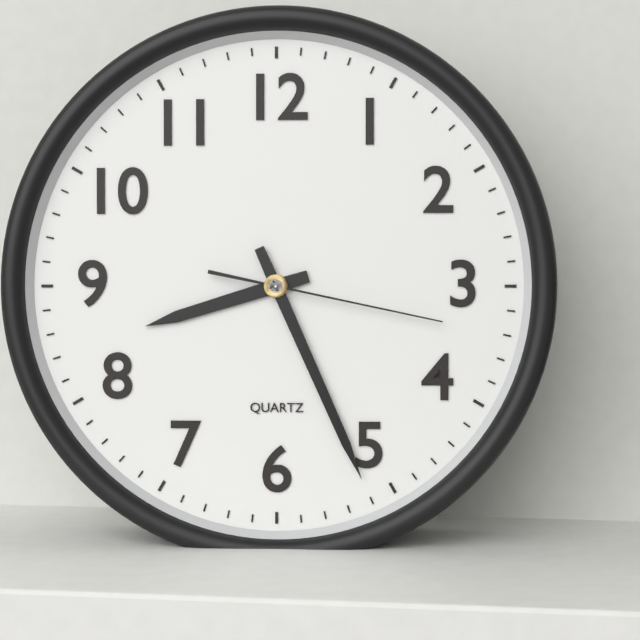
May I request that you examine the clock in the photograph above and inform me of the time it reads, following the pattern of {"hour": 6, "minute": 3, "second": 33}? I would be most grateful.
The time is {"hour": 8, "minute": 26, "second": 17}
